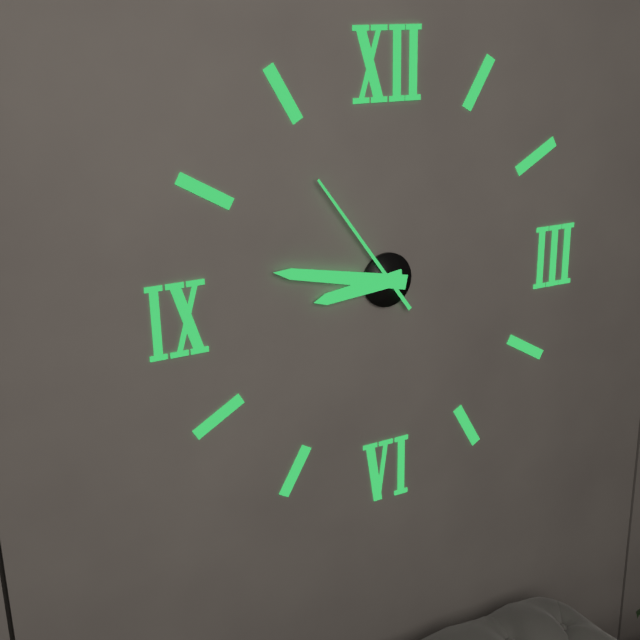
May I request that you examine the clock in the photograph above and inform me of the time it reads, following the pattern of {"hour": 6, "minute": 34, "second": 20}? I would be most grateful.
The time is {"hour": 8, "minute": 47, "second": 54}
